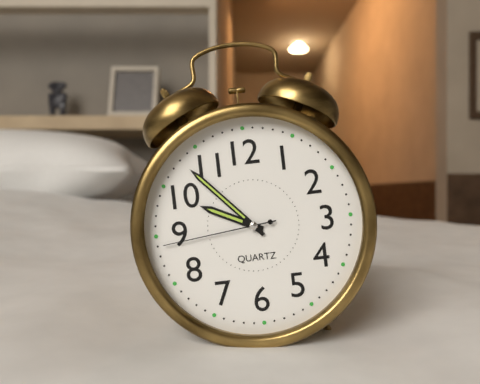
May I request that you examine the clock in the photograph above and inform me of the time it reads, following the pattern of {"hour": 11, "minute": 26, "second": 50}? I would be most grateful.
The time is {"hour": 9, "minute": 53, "second": 44}
